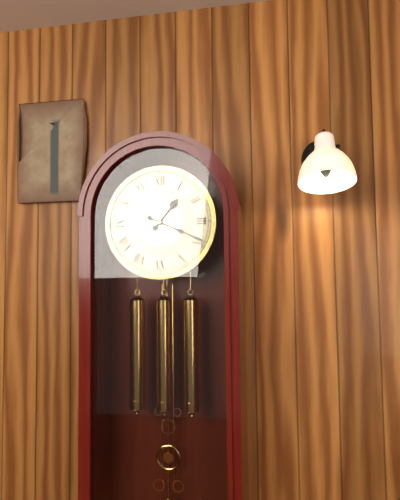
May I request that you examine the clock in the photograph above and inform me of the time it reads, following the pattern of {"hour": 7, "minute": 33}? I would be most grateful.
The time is {"hour": 1, "minute": 19}
